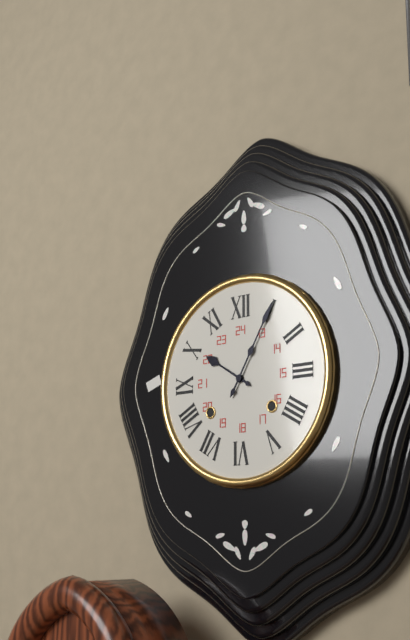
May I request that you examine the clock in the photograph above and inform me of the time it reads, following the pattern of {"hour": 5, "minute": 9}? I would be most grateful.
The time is {"hour": 10, "minute": 5}
